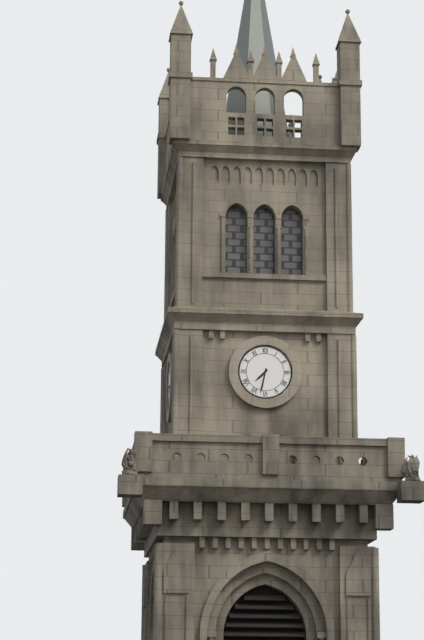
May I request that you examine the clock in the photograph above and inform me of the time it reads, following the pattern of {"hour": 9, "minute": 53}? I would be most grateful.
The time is {"hour": 7, "minute": 32}
